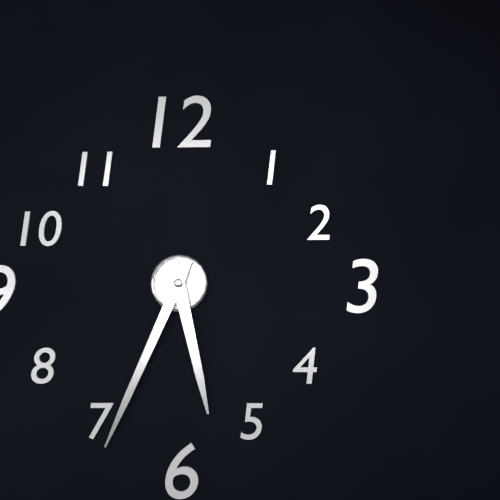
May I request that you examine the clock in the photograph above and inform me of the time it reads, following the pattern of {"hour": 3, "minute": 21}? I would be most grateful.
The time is {"hour": 5, "minute": 34}
